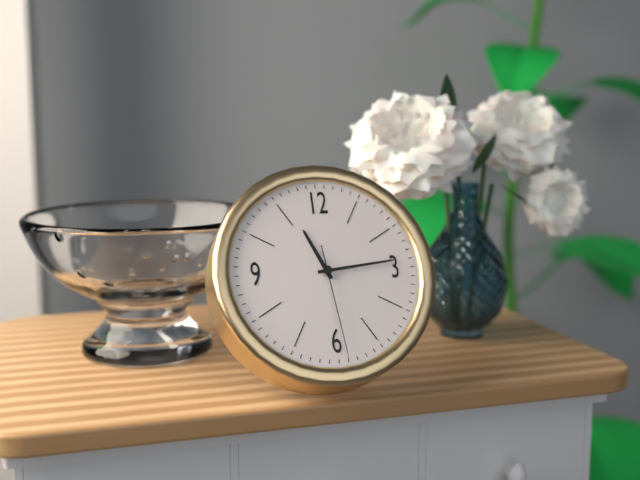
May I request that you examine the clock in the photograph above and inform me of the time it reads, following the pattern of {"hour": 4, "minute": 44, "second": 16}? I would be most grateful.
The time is {"hour": 11, "minute": 14, "second": 29}
